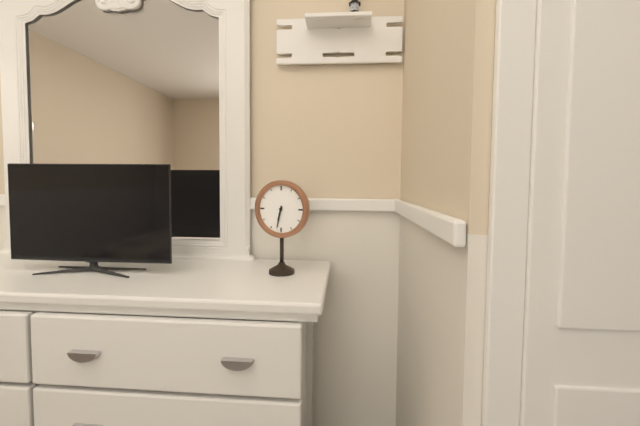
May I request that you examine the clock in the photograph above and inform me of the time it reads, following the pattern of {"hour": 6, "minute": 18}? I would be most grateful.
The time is {"hour": 6, "minute": 32}
